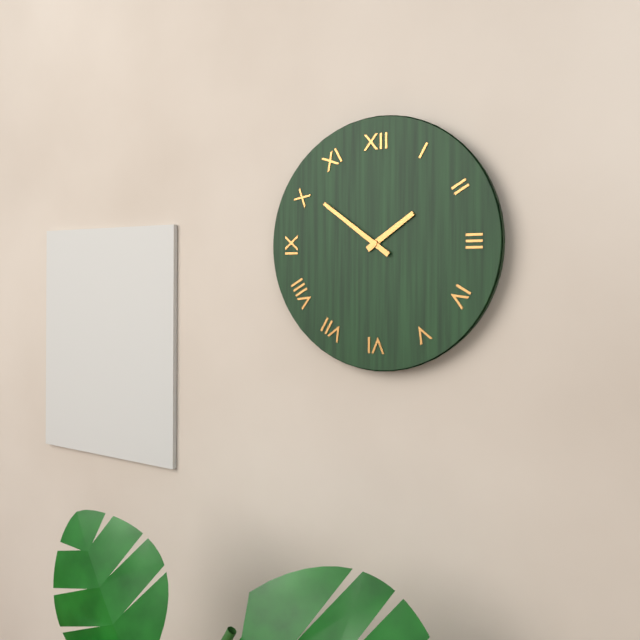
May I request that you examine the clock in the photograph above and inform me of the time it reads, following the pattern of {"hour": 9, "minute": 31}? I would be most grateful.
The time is {"hour": 1, "minute": 51}
